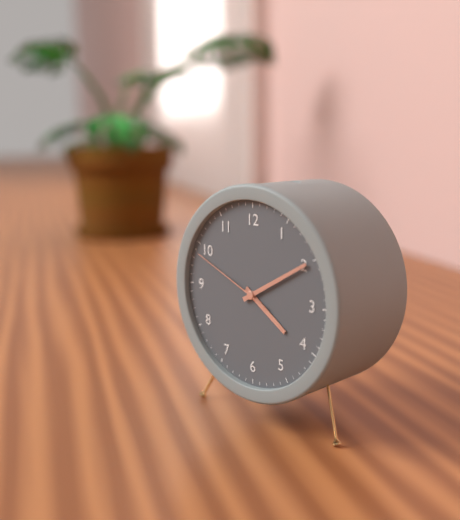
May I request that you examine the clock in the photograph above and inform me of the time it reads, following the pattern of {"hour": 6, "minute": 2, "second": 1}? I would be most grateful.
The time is {"hour": 4, "minute": 10, "second": 49}
